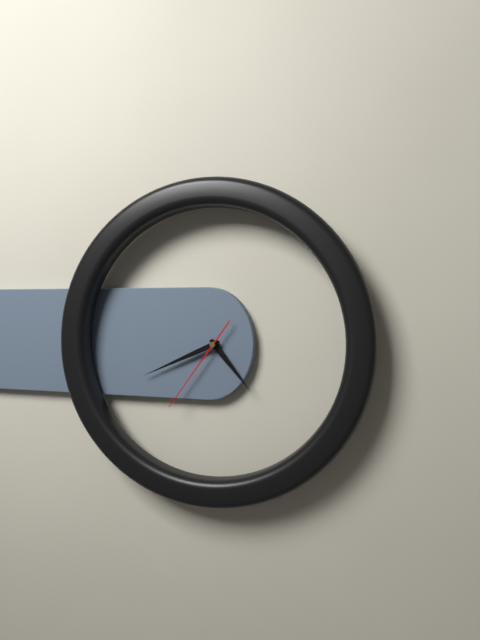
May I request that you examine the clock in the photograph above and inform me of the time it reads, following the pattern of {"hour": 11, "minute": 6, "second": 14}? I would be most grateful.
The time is {"hour": 4, "minute": 41, "second": 36}
